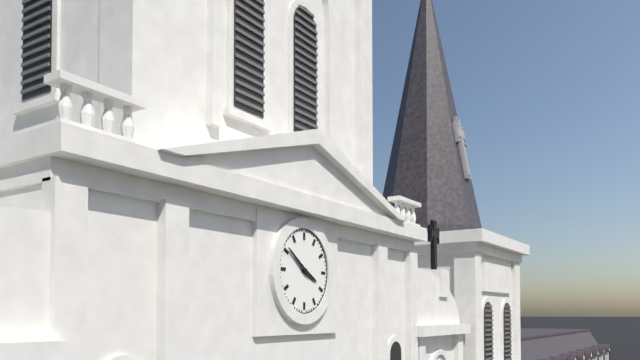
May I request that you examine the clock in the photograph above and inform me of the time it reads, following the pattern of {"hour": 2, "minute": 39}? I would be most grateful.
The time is {"hour": 3, "minute": 51}
